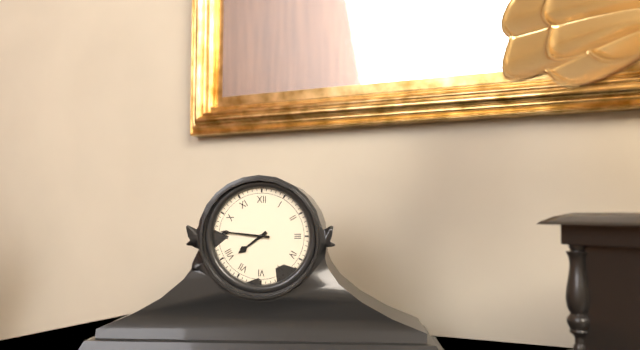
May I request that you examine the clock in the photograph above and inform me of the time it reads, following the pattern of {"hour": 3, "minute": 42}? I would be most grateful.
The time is {"hour": 7, "minute": 46}
